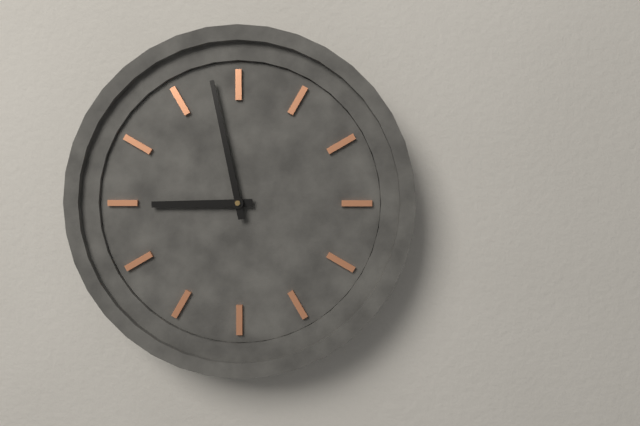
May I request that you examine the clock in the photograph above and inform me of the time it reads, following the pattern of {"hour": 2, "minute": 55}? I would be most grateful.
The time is {"hour": 8, "minute": 58}
